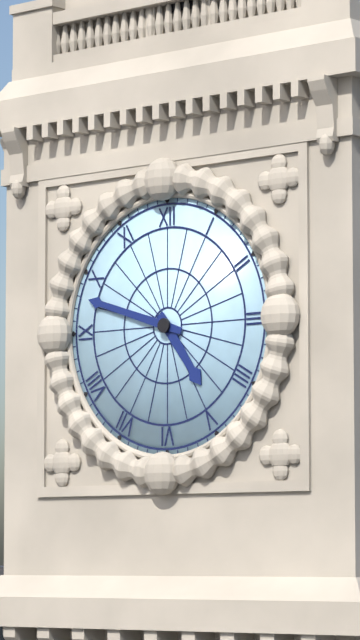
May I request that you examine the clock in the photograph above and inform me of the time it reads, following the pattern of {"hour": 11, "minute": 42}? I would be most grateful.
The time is {"hour": 4, "minute": 48}
